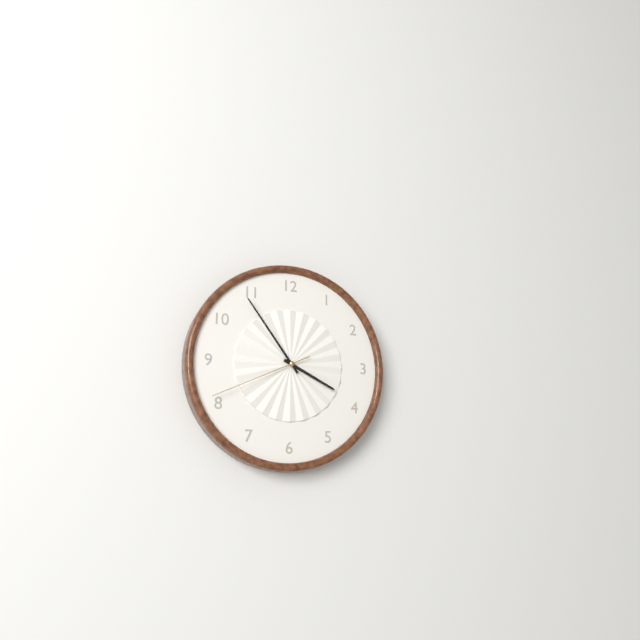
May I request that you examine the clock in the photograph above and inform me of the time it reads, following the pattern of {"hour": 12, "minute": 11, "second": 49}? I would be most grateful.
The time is {"hour": 3, "minute": 54, "second": 41}
